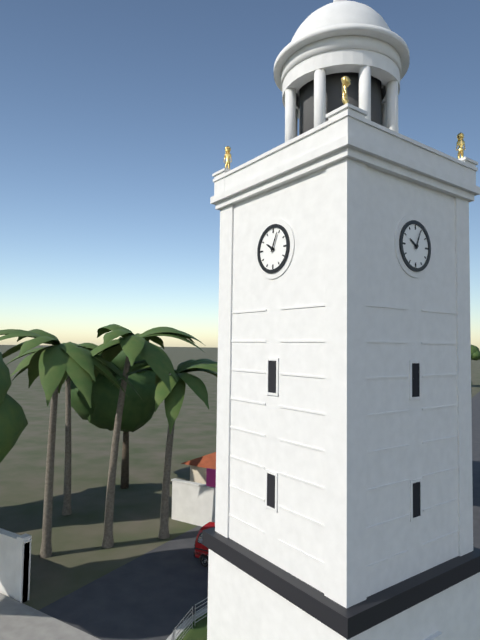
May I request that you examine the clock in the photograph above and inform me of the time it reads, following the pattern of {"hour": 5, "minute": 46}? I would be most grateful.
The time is {"hour": 10, "minute": 4}
